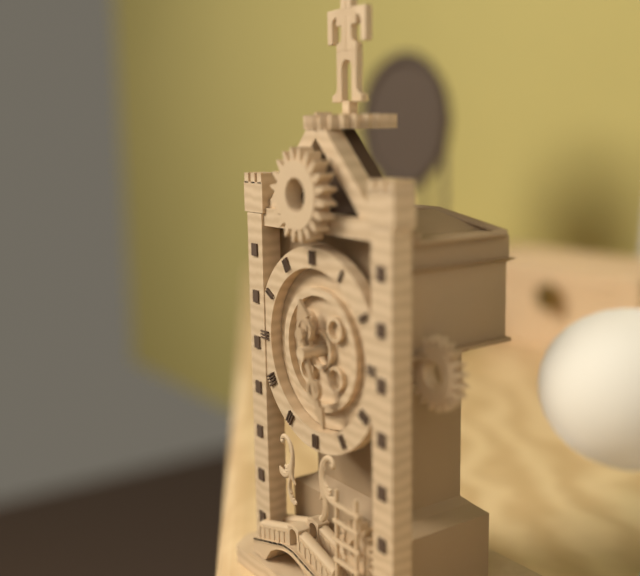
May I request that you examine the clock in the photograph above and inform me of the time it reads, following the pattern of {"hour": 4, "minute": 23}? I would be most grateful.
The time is {"hour": 11, "minute": 26}
